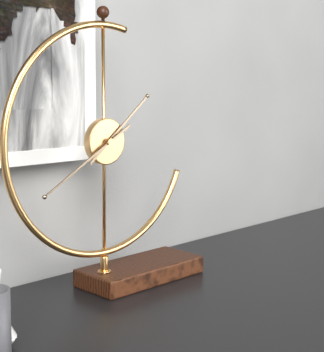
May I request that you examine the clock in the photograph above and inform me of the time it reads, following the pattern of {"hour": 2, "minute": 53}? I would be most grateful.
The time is {"hour": 1, "minute": 40}
